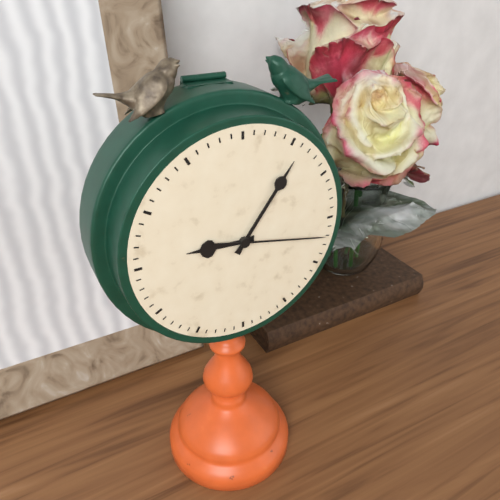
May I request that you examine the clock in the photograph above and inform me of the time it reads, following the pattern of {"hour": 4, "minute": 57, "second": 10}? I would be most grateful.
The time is {"hour": 9, "minute": 6, "second": 17}
